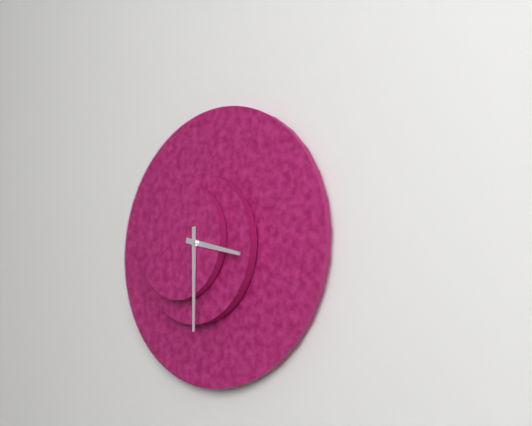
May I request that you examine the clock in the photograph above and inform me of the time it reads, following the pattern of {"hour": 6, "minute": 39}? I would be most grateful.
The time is {"hour": 3, "minute": 30}
